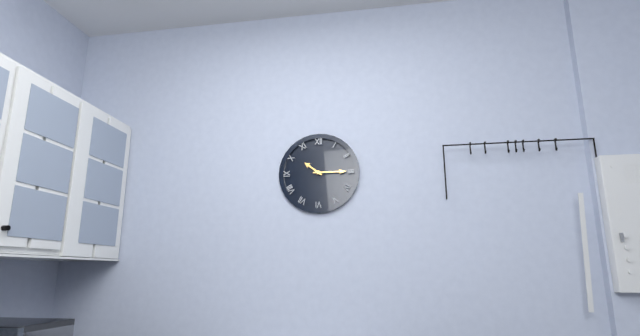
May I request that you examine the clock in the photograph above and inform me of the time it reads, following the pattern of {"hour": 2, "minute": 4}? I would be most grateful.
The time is {"hour": 10, "minute": 15}
